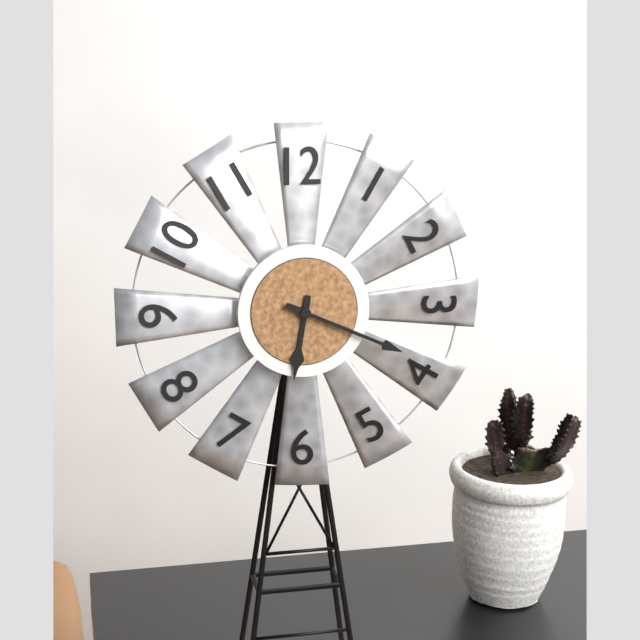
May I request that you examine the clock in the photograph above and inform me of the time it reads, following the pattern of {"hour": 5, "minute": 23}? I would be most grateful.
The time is {"hour": 6, "minute": 19}
